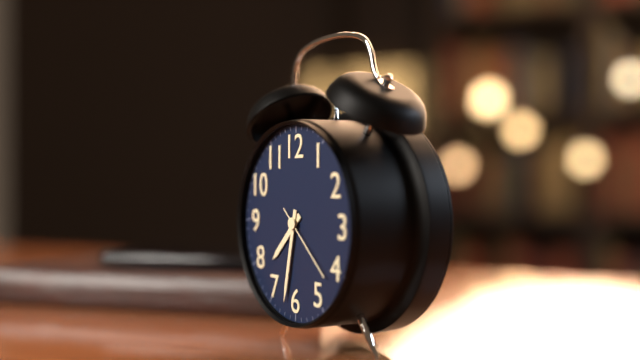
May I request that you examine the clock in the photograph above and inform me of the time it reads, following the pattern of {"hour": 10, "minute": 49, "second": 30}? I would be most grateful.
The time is {"hour": 7, "minute": 32, "second": 22}
